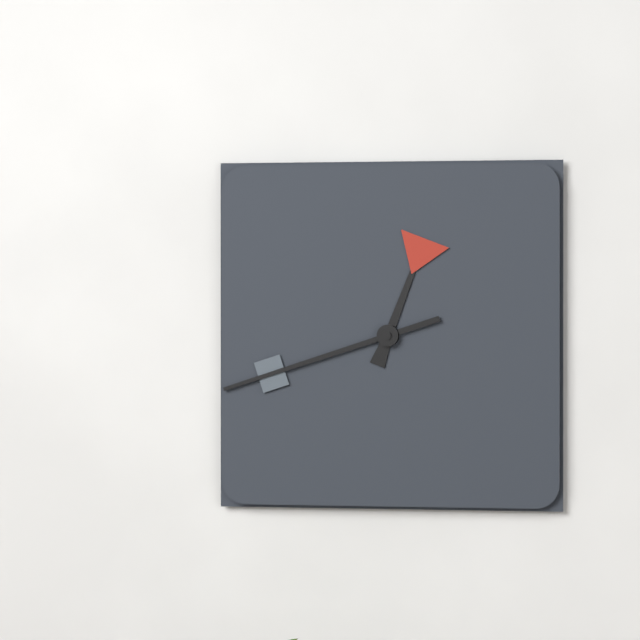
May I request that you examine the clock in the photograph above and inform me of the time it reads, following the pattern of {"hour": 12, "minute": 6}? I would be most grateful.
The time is {"hour": 12, "minute": 42}
